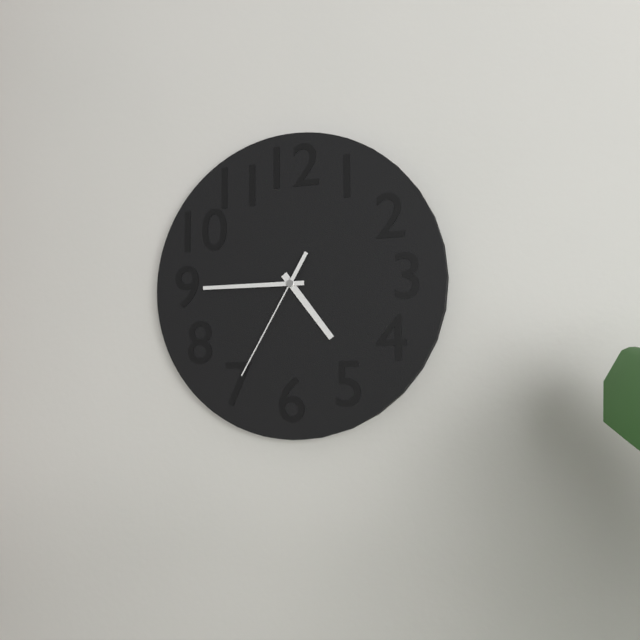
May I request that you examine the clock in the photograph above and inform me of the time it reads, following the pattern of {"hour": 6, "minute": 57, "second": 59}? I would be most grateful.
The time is {"hour": 4, "minute": 45, "second": 35}
